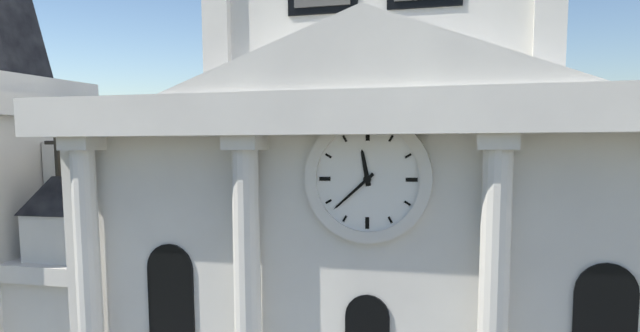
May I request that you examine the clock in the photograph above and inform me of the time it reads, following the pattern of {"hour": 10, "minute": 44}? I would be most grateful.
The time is {"hour": 11, "minute": 38}
